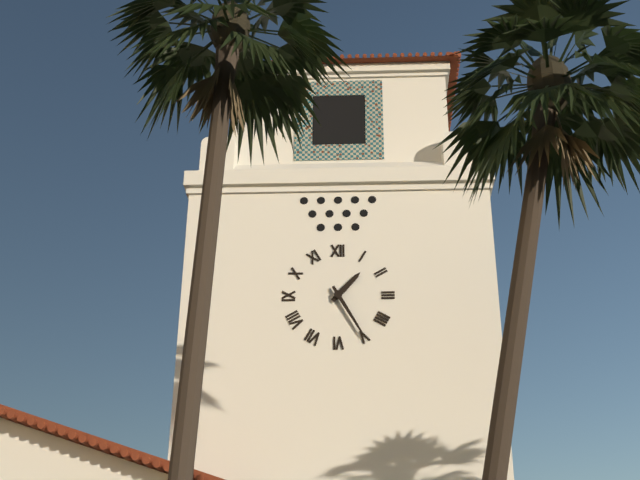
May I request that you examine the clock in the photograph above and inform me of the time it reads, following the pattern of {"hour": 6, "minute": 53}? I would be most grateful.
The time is {"hour": 1, "minute": 25}
